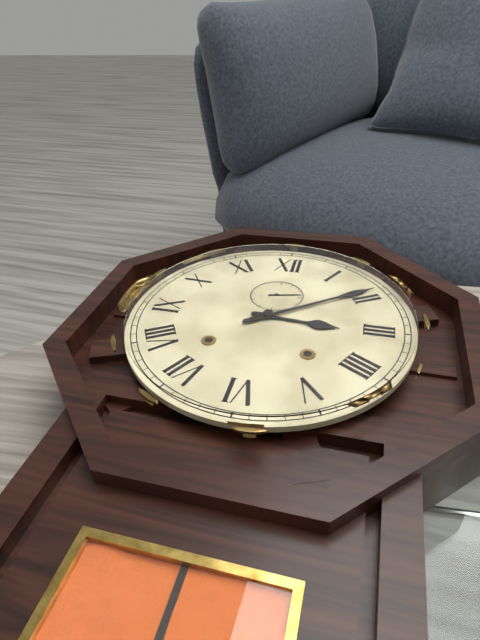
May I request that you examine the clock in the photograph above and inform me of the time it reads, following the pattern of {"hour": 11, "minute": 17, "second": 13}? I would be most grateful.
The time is {"hour": 3, "minute": 9, "second": 13}
